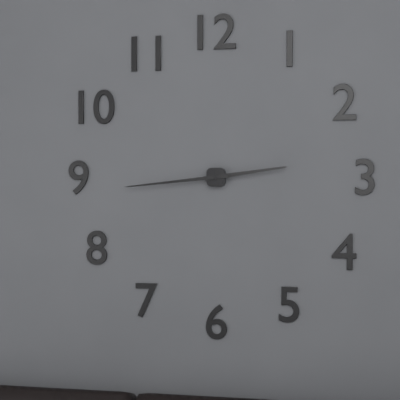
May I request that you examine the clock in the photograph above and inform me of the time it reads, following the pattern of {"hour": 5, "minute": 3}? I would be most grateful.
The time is {"hour": 2, "minute": 44}
